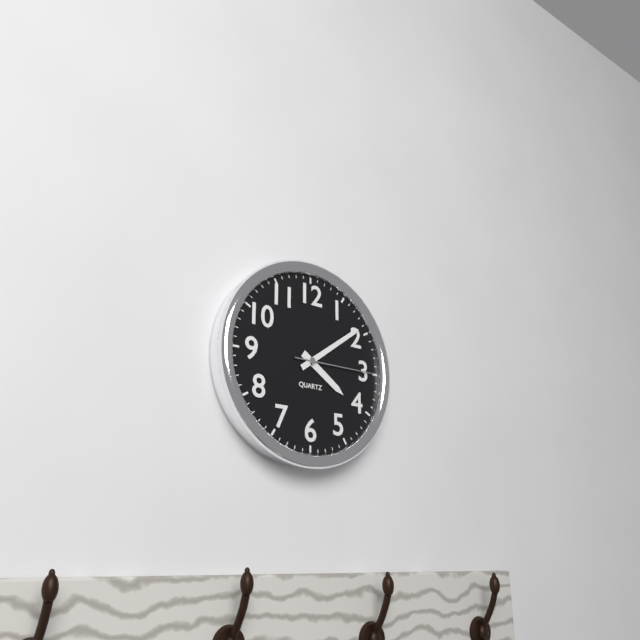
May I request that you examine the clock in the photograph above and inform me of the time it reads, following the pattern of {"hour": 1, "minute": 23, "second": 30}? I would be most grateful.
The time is {"hour": 4, "minute": 9, "second": 15}
